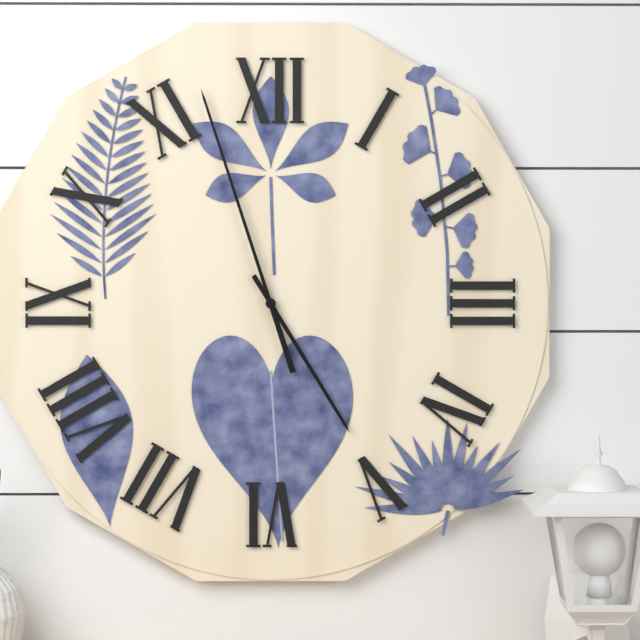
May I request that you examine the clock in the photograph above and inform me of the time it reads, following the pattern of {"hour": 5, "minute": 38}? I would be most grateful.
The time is {"hour": 4, "minute": 57}
